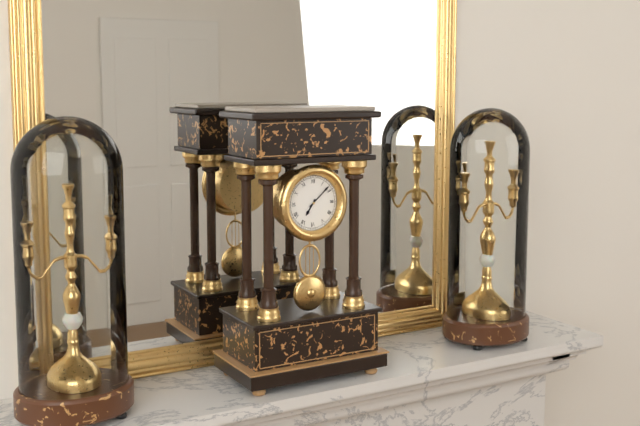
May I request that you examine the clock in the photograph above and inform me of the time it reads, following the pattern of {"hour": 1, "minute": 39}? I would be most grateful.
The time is {"hour": 7, "minute": 8}
